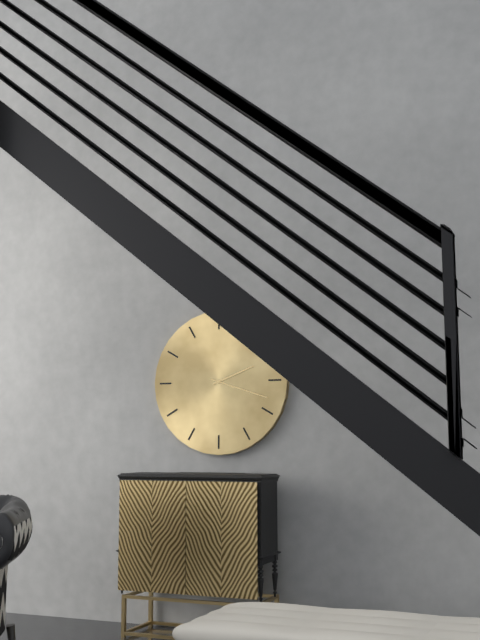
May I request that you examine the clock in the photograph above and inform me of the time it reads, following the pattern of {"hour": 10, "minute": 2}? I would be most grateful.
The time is {"hour": 2, "minute": 18}
